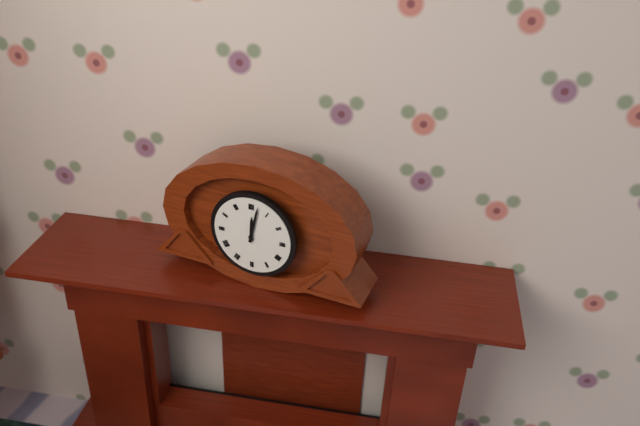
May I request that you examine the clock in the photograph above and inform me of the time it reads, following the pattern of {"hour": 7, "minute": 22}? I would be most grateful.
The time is {"hour": 12, "minute": 2}
